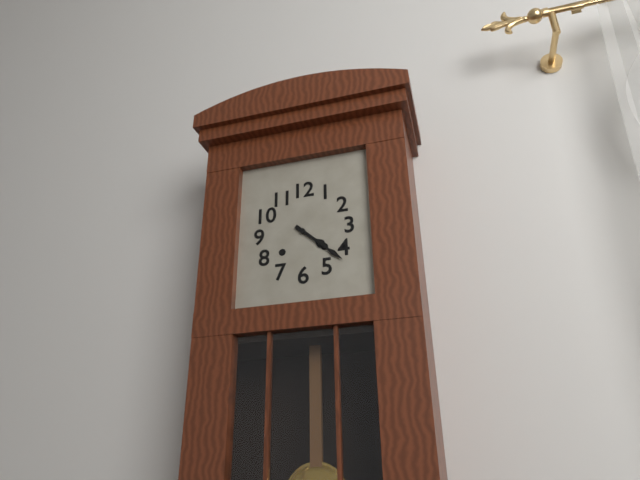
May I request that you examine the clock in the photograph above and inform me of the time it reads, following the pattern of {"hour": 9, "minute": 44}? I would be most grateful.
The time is {"hour": 4, "minute": 22}
